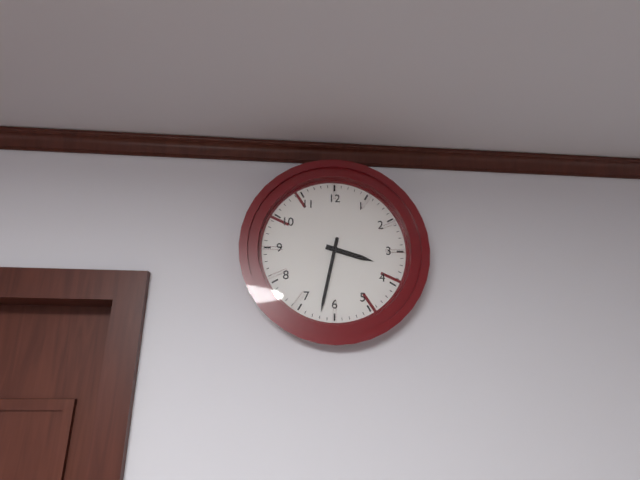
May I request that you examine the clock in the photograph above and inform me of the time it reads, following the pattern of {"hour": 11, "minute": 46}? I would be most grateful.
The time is {"hour": 3, "minute": 32}
